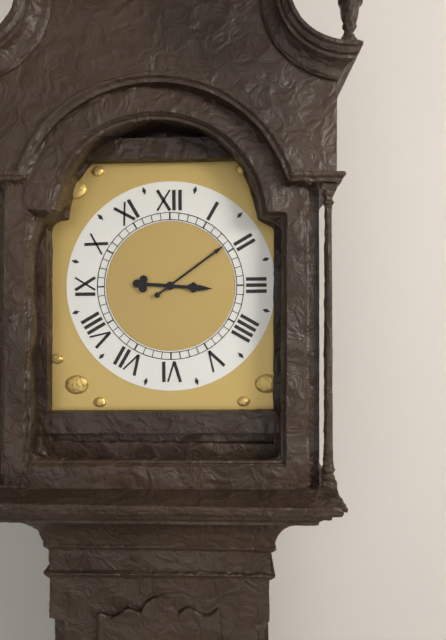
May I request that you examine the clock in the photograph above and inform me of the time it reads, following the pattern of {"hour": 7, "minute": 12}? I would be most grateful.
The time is {"hour": 3, "minute": 9}
